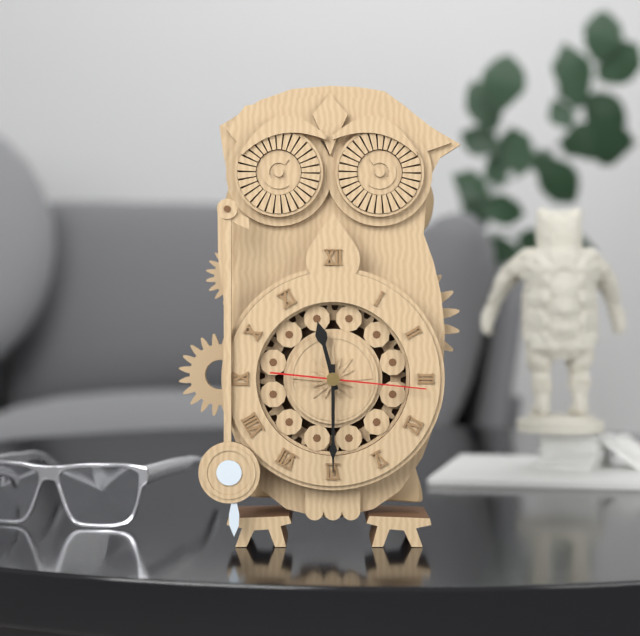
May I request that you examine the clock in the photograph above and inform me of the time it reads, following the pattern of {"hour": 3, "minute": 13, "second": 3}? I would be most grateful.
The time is {"hour": 11, "minute": 30, "second": 16}
